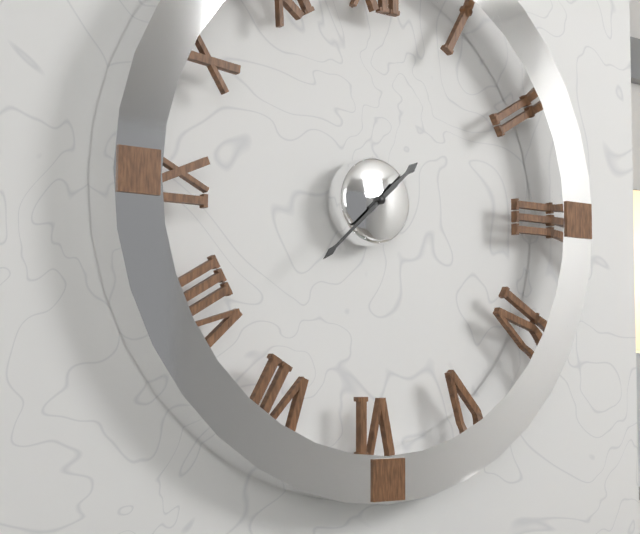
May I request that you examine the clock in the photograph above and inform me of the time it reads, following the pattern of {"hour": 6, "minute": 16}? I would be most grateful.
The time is {"hour": 1, "minute": 38}
